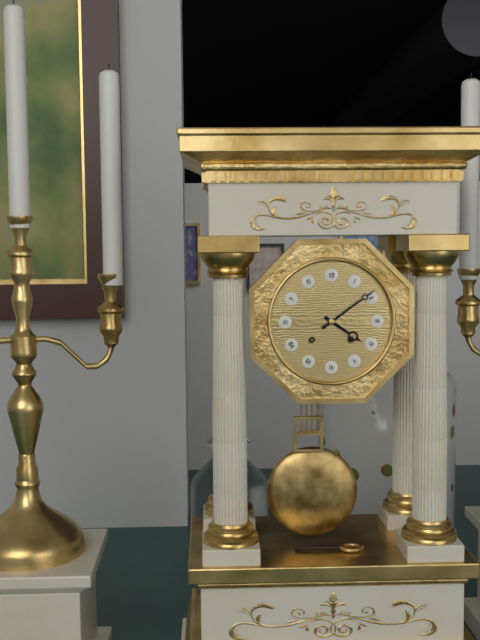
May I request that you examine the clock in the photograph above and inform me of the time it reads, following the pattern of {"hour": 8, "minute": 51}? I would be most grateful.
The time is {"hour": 4, "minute": 9}
